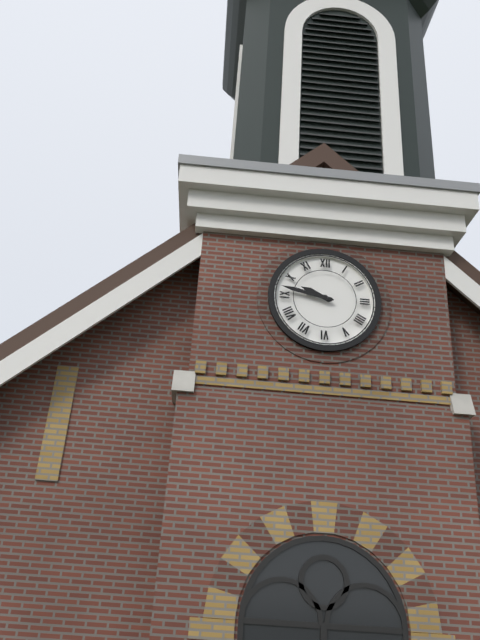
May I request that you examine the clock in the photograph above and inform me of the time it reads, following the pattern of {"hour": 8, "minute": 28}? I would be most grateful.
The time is {"hour": 9, "minute": 47}
